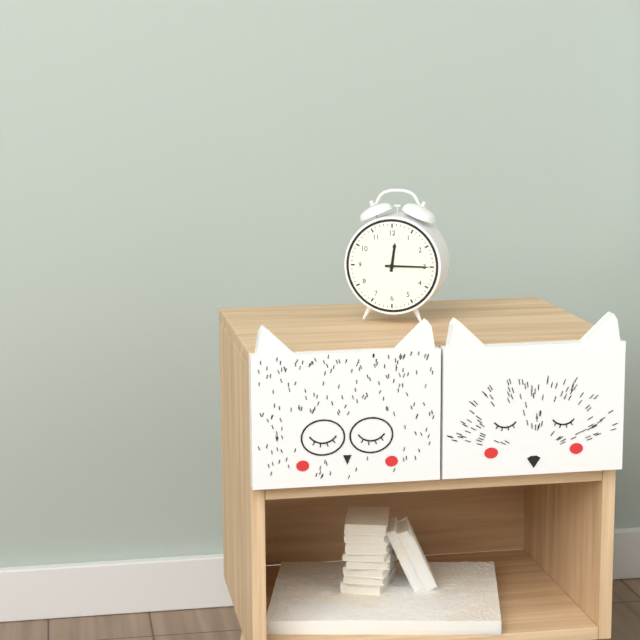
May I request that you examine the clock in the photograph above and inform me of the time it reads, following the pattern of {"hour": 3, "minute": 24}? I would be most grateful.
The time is {"hour": 12, "minute": 15}
